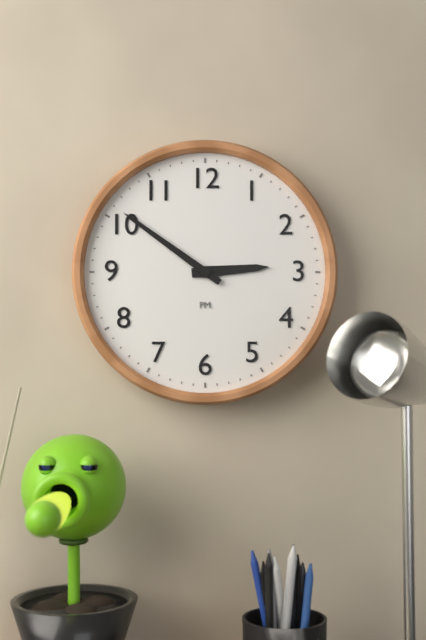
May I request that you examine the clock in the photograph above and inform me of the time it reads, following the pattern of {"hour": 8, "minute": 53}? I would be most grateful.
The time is {"hour": 2, "minute": 51}
